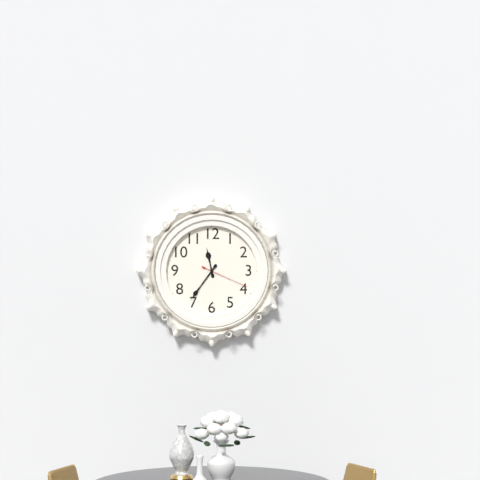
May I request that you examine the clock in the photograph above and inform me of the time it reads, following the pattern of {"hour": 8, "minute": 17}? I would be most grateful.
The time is {"hour": 11, "minute": 36}
